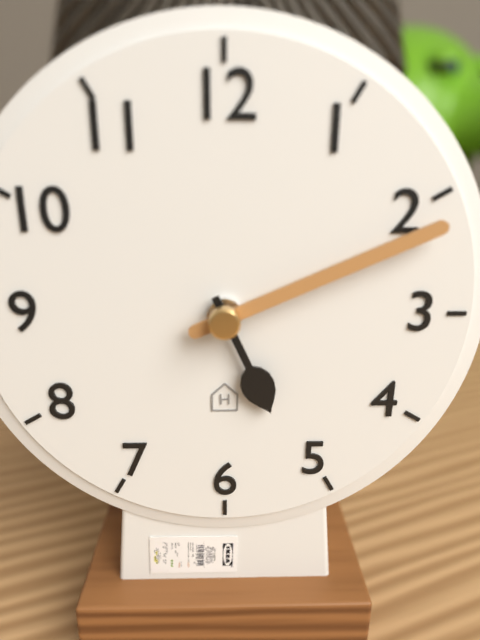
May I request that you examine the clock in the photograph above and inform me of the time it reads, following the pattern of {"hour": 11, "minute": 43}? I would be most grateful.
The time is {"hour": 5, "minute": 11}
